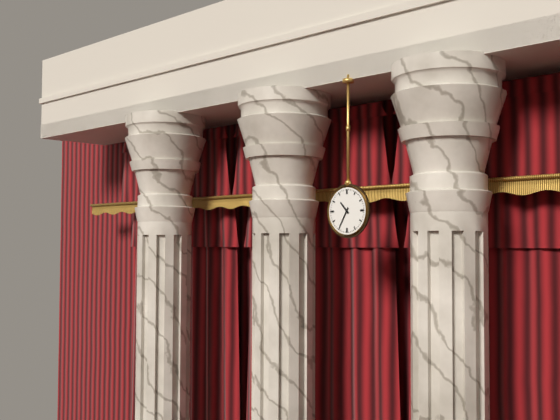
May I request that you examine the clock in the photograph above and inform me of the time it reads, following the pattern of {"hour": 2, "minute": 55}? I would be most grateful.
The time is {"hour": 10, "minute": 35}
